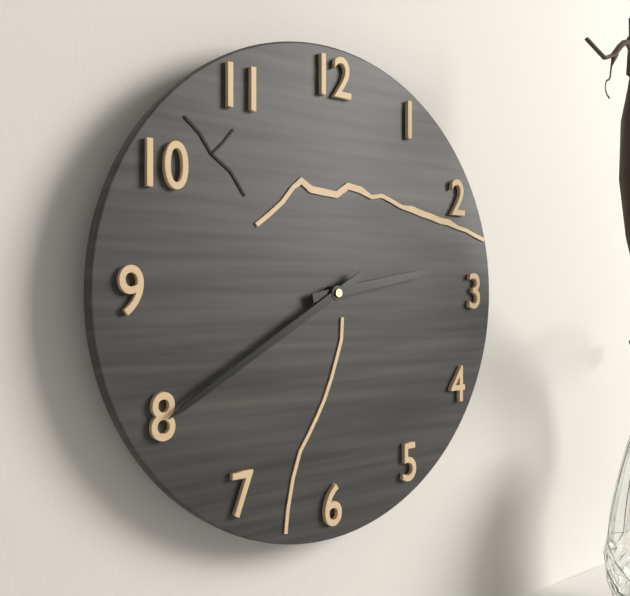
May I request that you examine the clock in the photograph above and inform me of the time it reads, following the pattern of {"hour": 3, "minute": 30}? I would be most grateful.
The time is {"hour": 2, "minute": 40}
